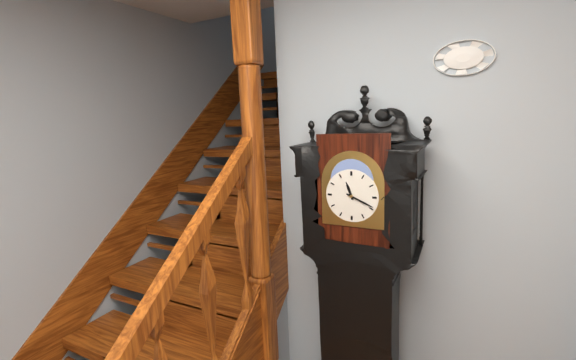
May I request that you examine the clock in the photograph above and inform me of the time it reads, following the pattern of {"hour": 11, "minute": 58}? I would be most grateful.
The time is {"hour": 11, "minute": 19}
